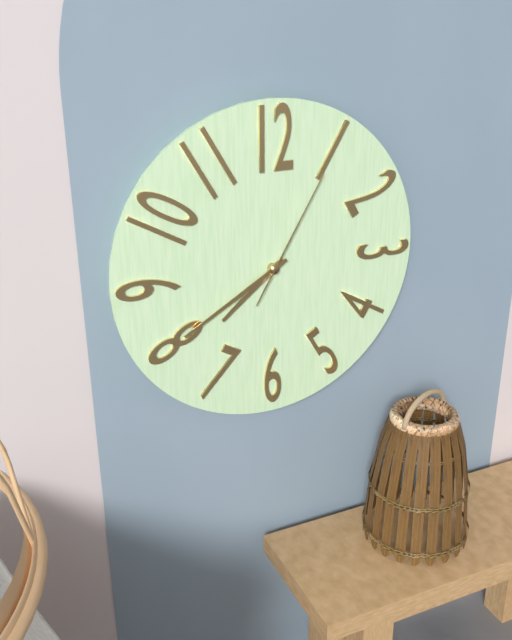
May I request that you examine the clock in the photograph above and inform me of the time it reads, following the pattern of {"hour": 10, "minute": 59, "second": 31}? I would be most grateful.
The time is {"hour": 7, "minute": 40, "second": 5}
